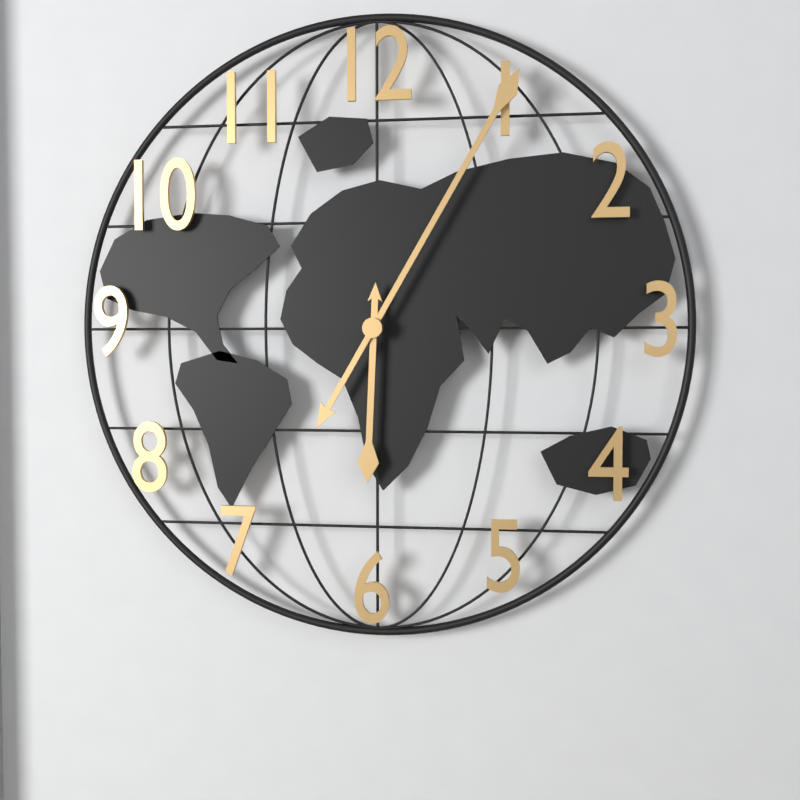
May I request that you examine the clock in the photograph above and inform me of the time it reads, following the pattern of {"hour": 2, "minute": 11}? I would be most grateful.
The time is {"hour": 6, "minute": 5}
